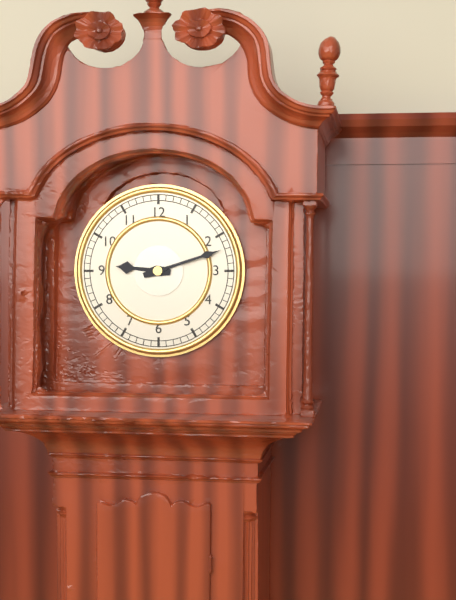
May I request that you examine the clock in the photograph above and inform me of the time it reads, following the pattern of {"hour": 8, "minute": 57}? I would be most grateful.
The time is {"hour": 9, "minute": 12}
